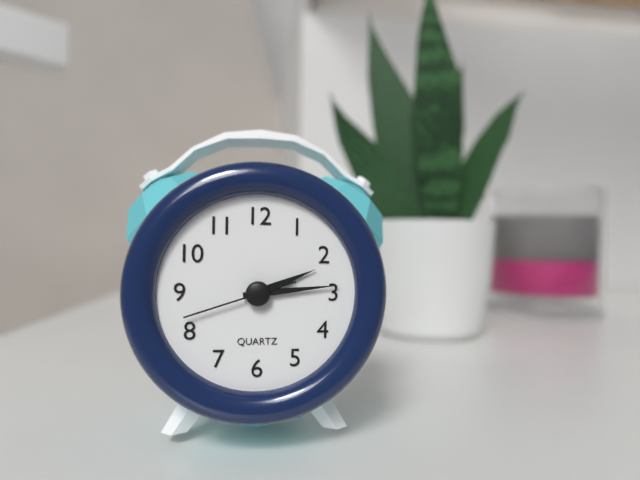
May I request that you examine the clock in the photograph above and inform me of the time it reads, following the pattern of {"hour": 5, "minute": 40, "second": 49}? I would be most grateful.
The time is {"hour": 2, "minute": 14, "second": 42}
